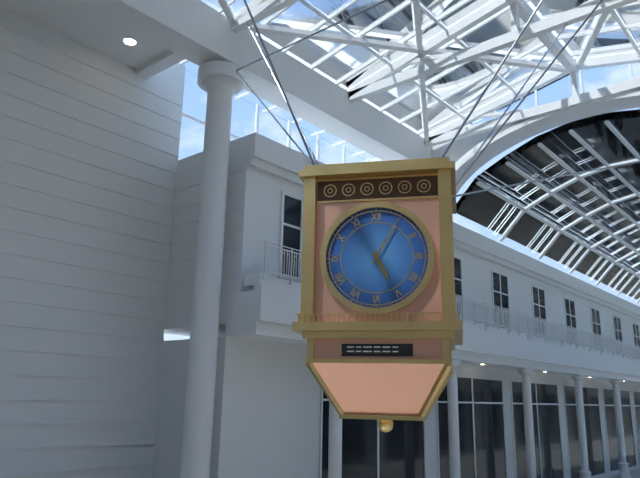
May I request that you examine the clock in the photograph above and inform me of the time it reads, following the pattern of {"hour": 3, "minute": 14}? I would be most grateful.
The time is {"hour": 5, "minute": 5}
